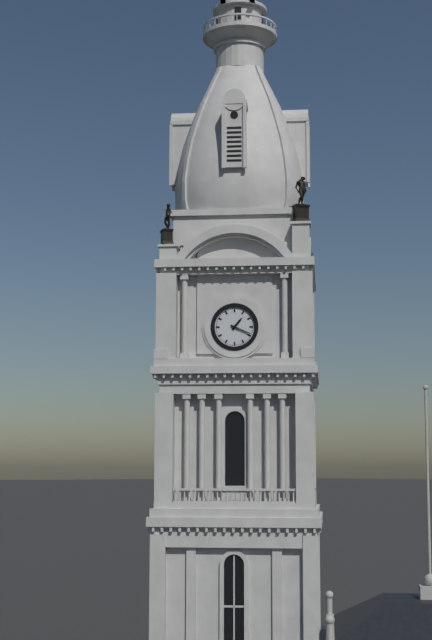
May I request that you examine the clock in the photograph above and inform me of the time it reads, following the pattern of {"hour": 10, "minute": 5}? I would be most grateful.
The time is {"hour": 1, "minute": 19}
